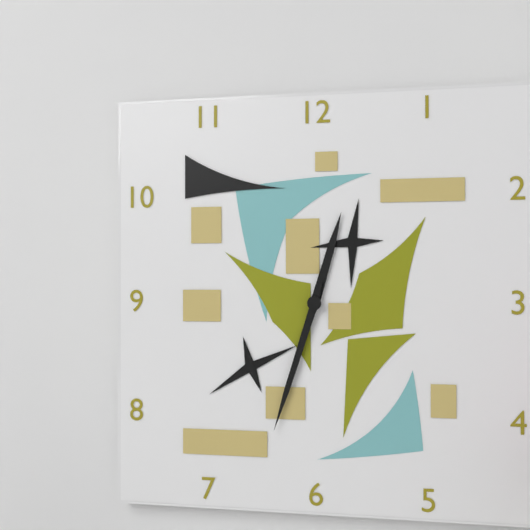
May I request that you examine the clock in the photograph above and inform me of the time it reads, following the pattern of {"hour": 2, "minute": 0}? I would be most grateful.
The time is {"hour": 12, "minute": 33}
